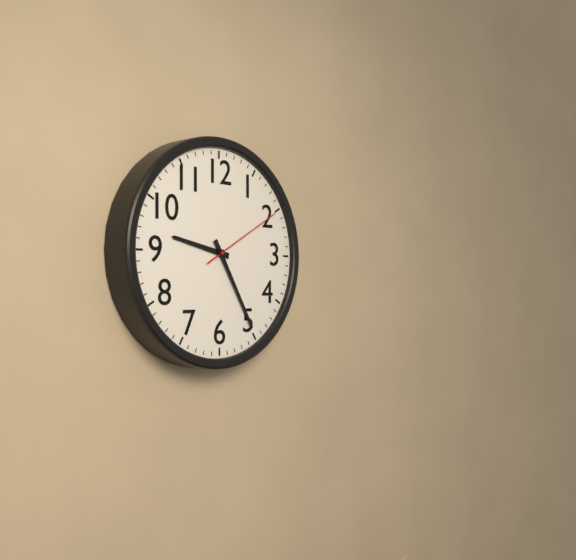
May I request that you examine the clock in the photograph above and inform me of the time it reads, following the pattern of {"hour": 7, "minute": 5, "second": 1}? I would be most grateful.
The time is {"hour": 9, "minute": 25, "second": 10}
